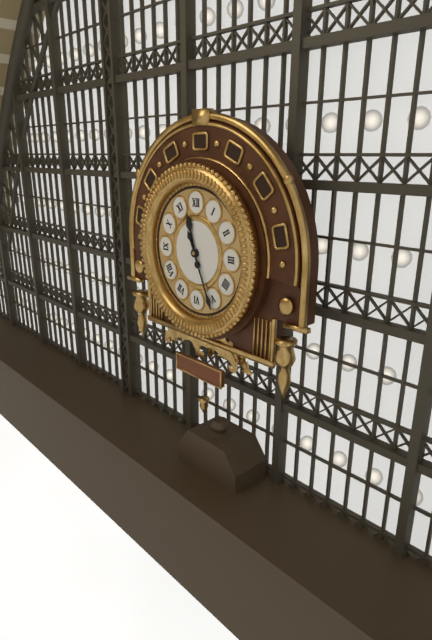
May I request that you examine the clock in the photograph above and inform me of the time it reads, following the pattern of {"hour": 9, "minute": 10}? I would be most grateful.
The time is {"hour": 11, "minute": 26}
